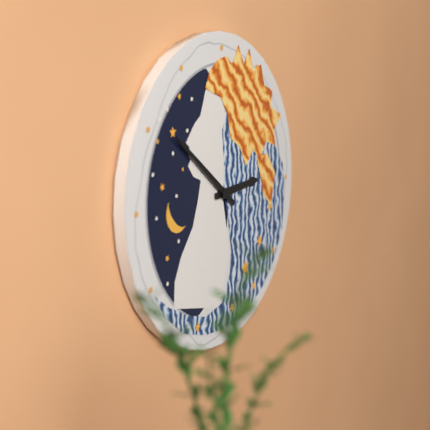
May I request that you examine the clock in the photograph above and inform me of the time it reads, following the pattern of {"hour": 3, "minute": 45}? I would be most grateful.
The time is {"hour": 2, "minute": 51}
